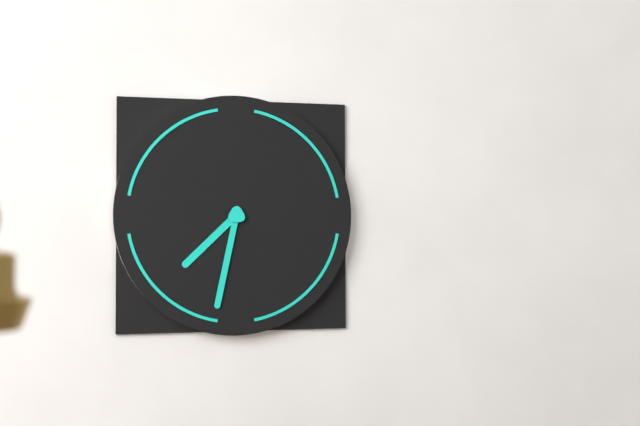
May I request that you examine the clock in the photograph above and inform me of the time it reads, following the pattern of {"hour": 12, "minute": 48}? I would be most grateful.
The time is {"hour": 7, "minute": 32}
